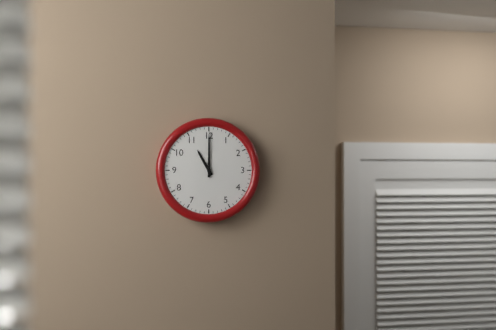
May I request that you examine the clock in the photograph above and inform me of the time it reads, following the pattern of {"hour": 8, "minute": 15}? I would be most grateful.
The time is {"hour": 11, "minute": 0}
